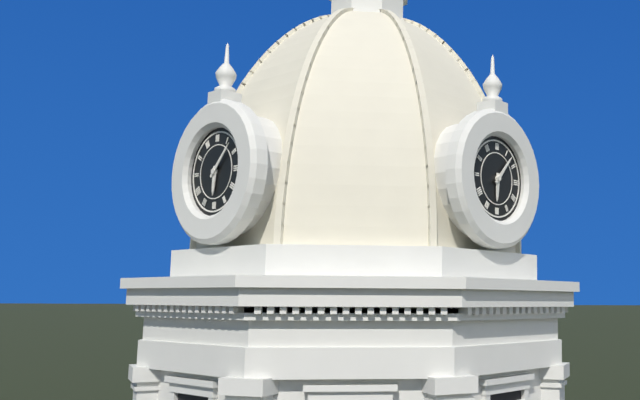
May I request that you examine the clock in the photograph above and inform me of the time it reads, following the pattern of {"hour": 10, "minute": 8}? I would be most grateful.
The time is {"hour": 6, "minute": 7}
